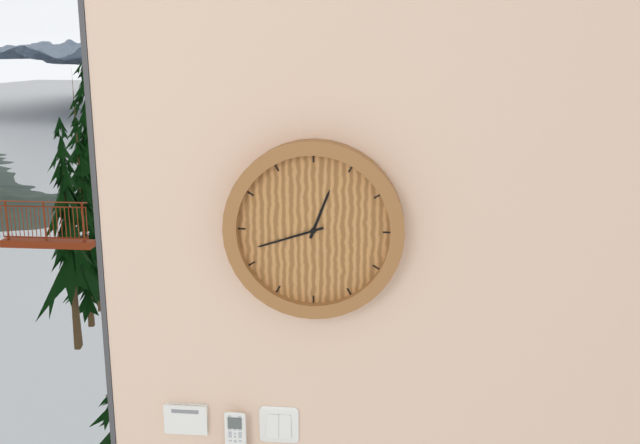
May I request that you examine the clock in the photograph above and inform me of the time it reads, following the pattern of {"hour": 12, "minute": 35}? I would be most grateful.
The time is {"hour": 12, "minute": 42}
